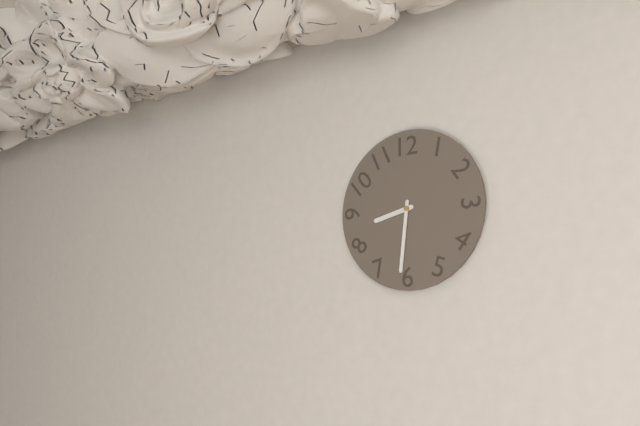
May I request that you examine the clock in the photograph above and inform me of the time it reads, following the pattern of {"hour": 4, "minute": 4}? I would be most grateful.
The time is {"hour": 8, "minute": 31}
